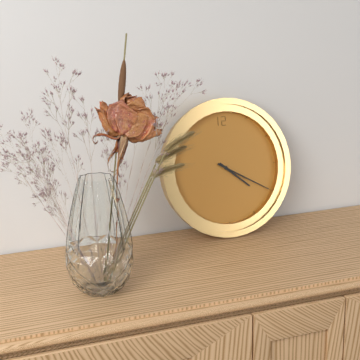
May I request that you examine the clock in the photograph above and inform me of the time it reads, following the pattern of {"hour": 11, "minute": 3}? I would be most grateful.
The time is {"hour": 4, "minute": 20}
